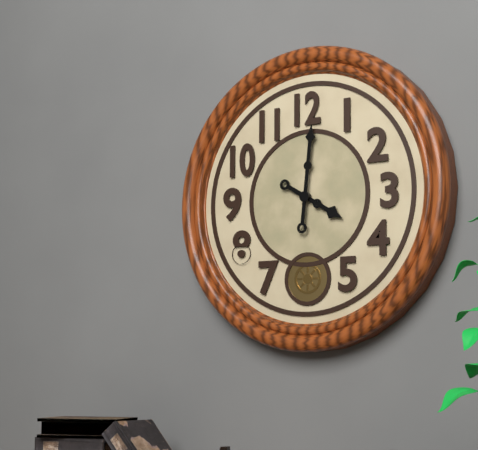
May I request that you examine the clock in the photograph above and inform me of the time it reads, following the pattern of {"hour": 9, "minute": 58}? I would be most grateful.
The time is {"hour": 4, "minute": 1}
